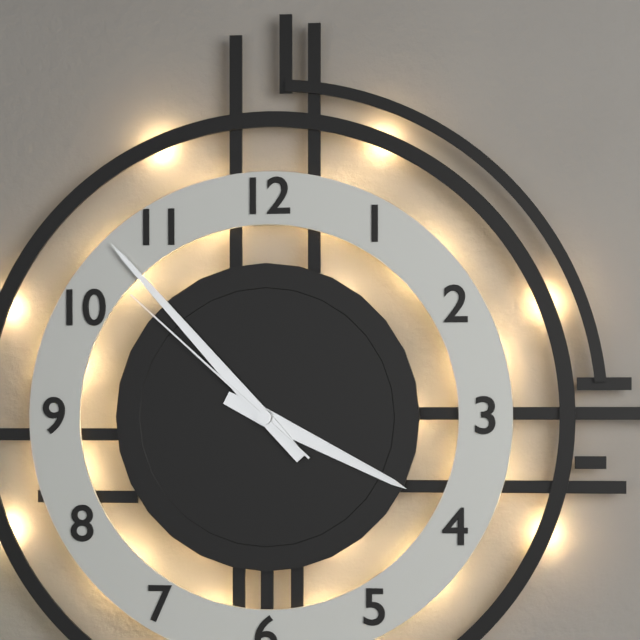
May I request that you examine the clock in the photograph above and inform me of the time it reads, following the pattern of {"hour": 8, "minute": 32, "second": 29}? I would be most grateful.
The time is {"hour": 3, "minute": 53, "second": 52}
